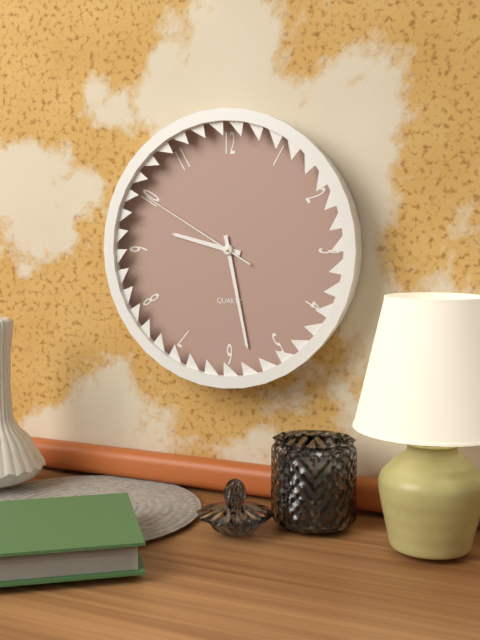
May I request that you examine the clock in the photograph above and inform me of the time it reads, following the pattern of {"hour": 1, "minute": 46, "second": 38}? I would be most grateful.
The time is {"hour": 9, "minute": 28, "second": 50}
